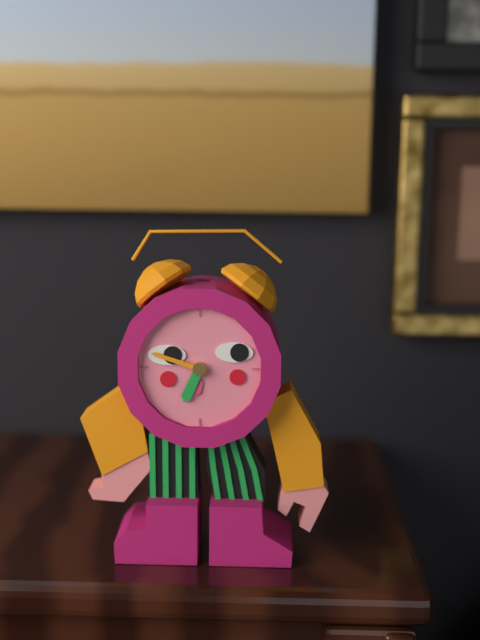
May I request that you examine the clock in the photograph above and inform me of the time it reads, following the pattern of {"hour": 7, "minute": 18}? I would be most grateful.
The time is {"hour": 6, "minute": 48}
